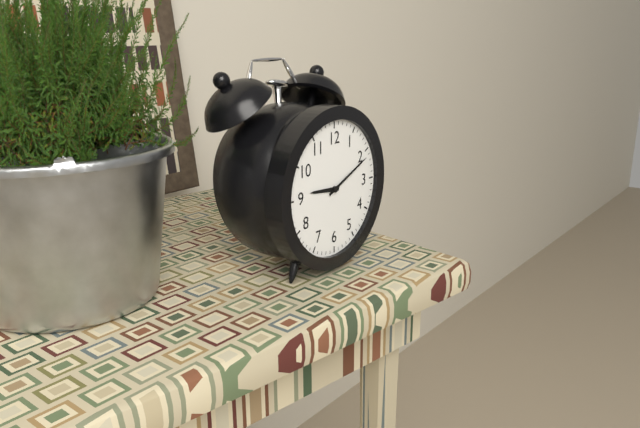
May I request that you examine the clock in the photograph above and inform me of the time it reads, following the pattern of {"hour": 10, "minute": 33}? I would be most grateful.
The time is {"hour": 9, "minute": 11}
